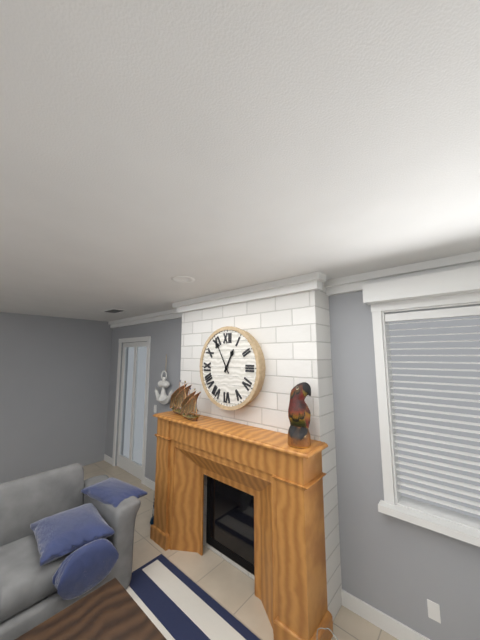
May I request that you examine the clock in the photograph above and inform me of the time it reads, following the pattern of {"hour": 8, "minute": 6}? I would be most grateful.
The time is {"hour": 12, "minute": 55}
